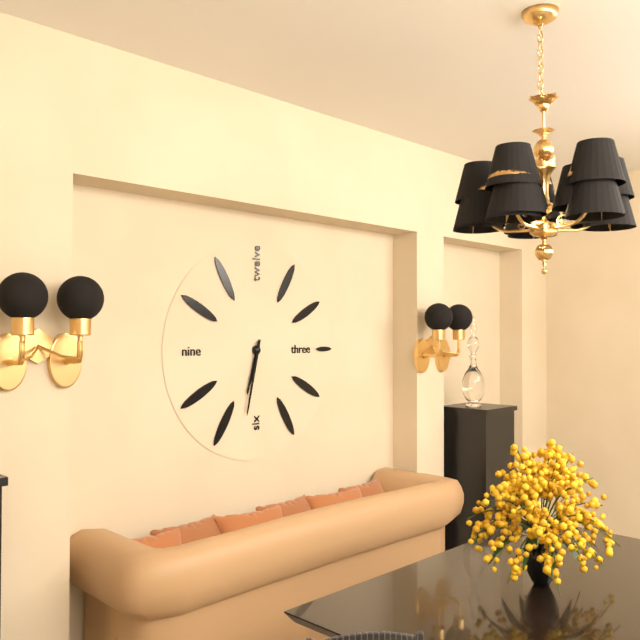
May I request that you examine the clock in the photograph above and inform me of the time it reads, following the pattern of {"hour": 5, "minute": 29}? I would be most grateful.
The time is {"hour": 6, "minute": 32}
